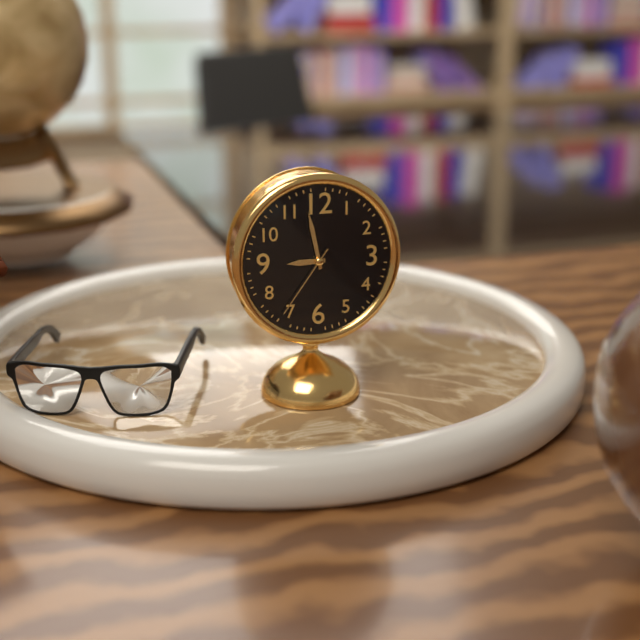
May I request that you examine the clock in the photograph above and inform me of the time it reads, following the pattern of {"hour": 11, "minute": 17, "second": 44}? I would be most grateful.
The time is {"hour": 8, "minute": 58, "second": 36}
